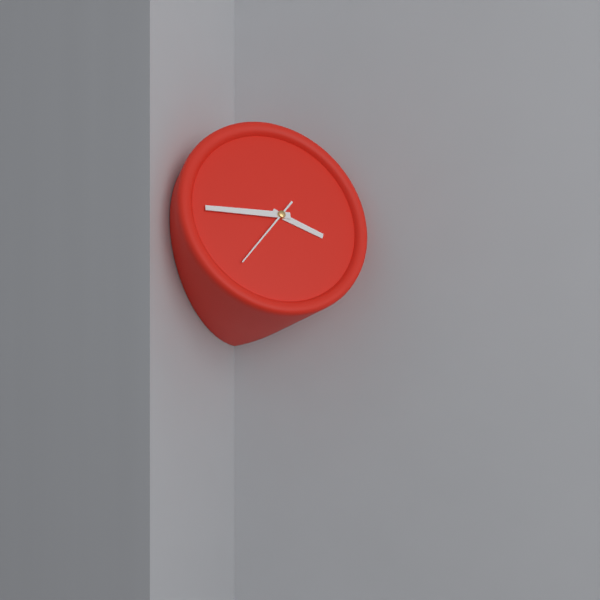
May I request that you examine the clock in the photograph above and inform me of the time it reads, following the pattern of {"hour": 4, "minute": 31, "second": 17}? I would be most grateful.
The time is {"hour": 3, "minute": 45, "second": 37}
